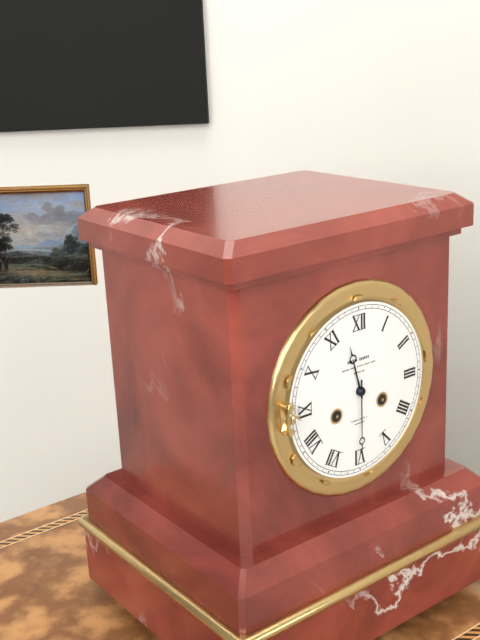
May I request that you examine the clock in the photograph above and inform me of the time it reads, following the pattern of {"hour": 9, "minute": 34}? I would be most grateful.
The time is {"hour": 11, "minute": 30}
